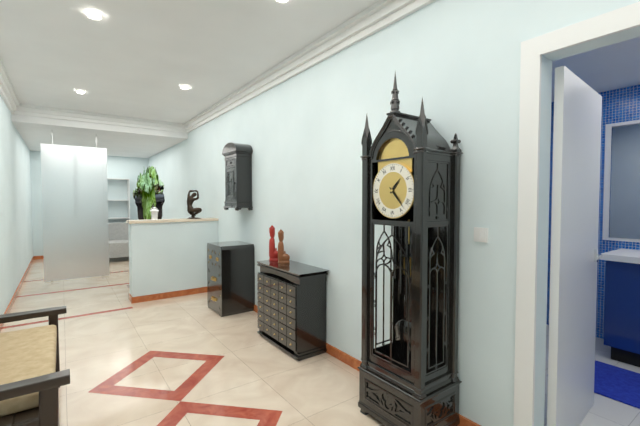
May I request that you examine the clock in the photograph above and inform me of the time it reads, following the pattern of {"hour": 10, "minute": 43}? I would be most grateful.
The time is {"hour": 1, "minute": 23}
